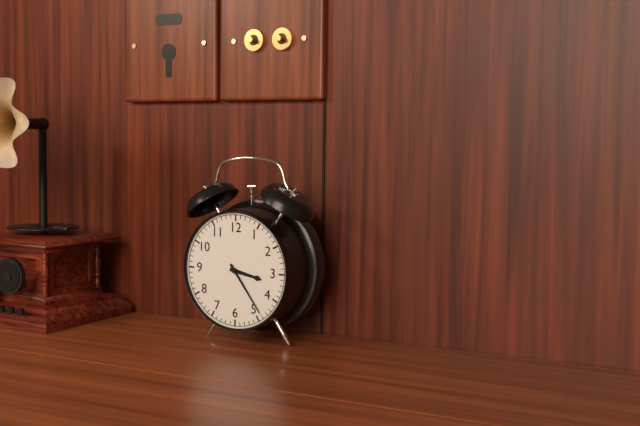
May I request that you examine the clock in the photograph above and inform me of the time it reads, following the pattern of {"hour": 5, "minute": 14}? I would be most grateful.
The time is {"hour": 3, "minute": 24}
